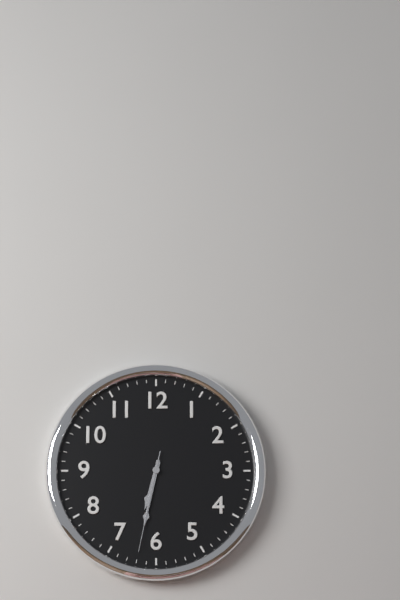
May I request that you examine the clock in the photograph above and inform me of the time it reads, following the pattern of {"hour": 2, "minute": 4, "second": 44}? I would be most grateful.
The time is {"hour": 6, "minute": 32, "second": 32}
